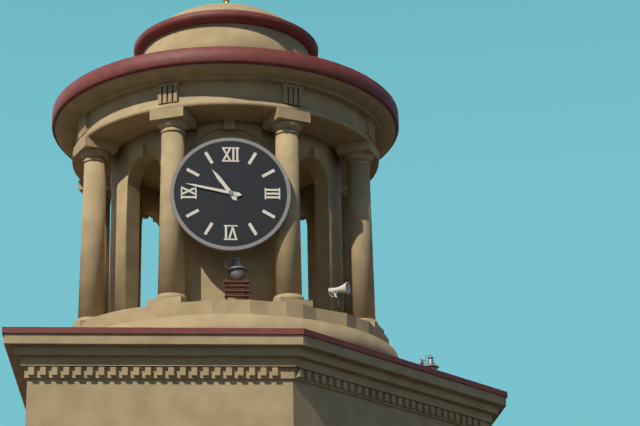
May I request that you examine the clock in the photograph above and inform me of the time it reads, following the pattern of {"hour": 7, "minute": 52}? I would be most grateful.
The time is {"hour": 10, "minute": 47}
